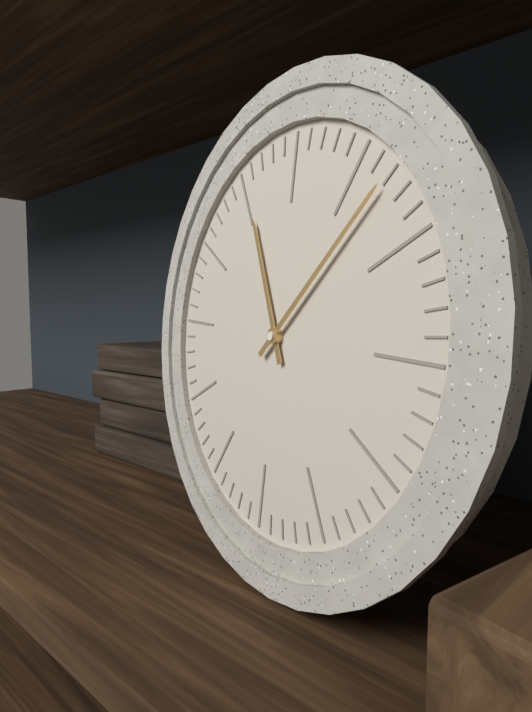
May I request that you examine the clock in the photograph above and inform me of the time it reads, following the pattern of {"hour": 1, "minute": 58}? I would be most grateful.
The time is {"hour": 11, "minute": 7}
